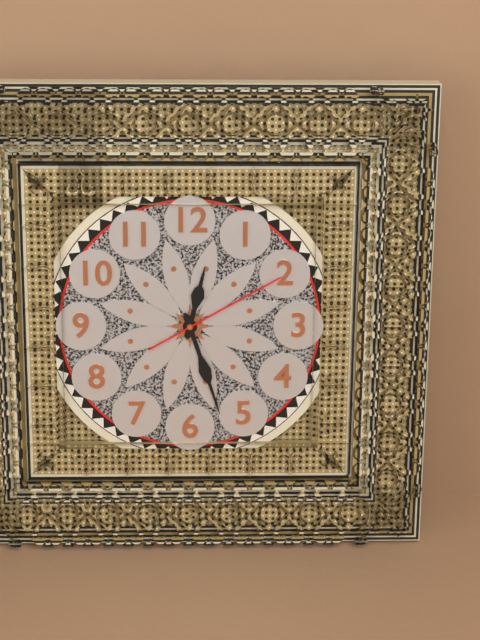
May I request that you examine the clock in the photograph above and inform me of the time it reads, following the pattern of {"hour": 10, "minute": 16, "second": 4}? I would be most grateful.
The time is {"hour": 12, "minute": 27, "second": 10}
